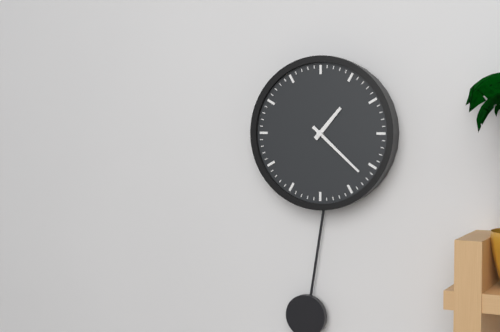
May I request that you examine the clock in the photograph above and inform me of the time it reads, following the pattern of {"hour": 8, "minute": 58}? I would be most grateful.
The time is {"hour": 1, "minute": 22}
